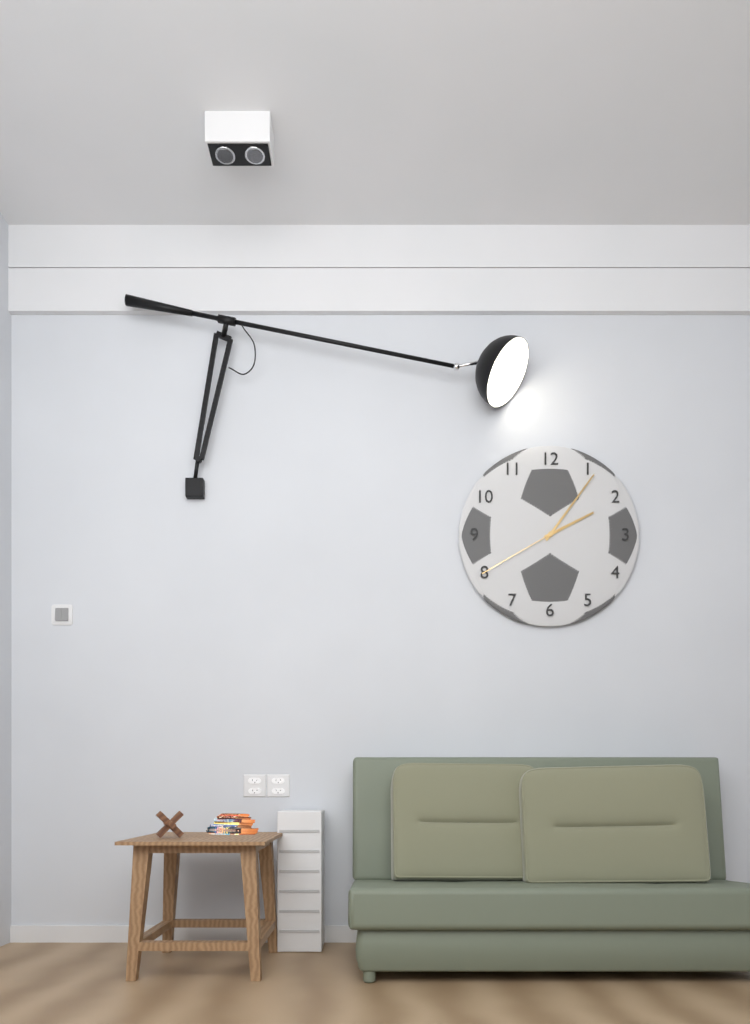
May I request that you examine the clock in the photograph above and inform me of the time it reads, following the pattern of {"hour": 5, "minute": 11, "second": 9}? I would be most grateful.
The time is {"hour": 2, "minute": 6, "second": 40}
